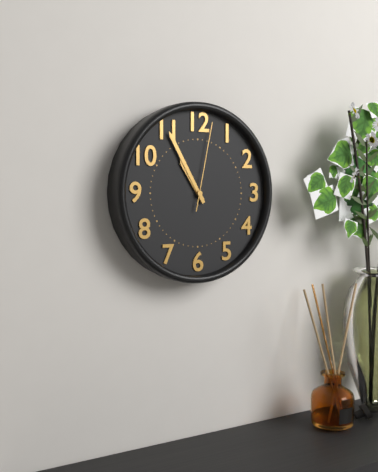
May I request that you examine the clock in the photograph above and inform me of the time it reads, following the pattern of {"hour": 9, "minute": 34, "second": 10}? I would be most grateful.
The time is {"hour": 10, "minute": 55, "second": 2}
